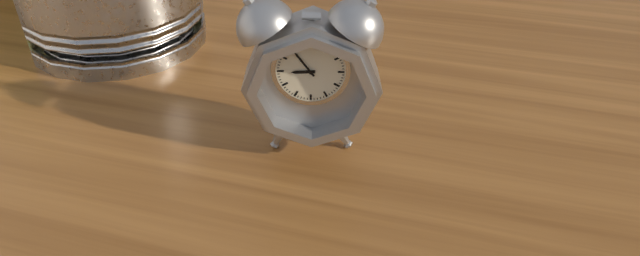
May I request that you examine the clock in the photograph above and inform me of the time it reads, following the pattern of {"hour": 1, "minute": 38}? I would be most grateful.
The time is {"hour": 8, "minute": 54}
